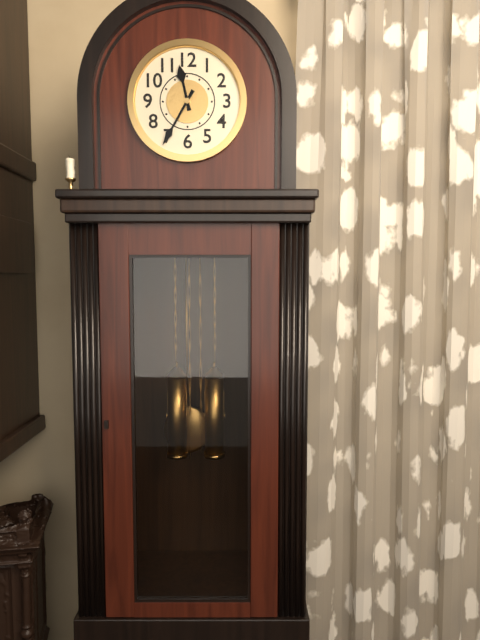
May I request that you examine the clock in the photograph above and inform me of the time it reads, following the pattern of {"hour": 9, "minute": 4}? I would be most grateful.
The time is {"hour": 11, "minute": 35}
